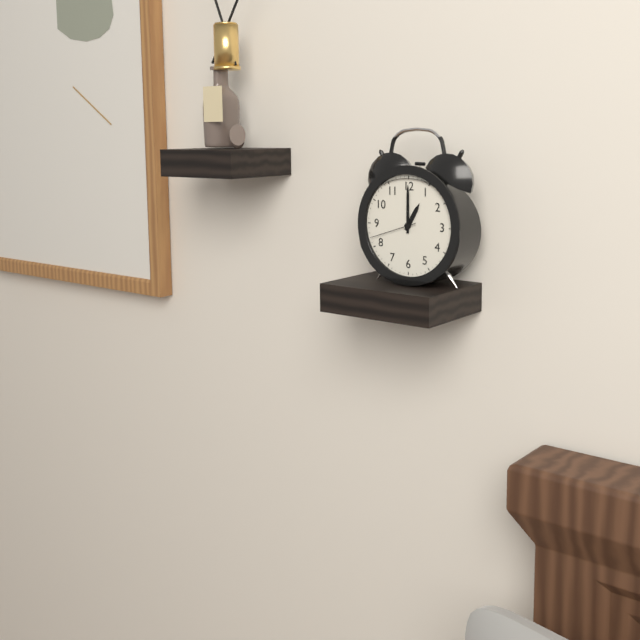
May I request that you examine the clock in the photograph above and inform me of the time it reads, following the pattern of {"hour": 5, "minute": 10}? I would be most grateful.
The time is {"hour": 1, "minute": 0}
